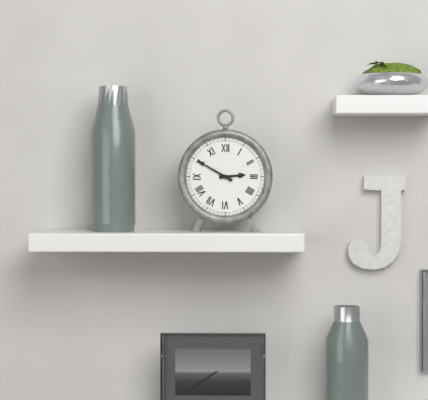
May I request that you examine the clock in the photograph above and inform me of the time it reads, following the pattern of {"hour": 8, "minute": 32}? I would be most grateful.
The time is {"hour": 2, "minute": 50}
